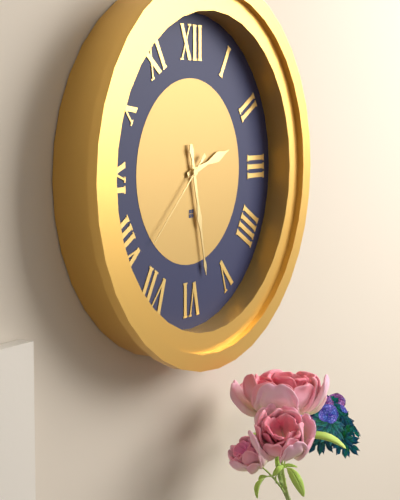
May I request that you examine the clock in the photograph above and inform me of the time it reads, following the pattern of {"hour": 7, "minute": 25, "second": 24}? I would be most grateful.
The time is {"hour": 2, "minute": 28, "second": 38}
